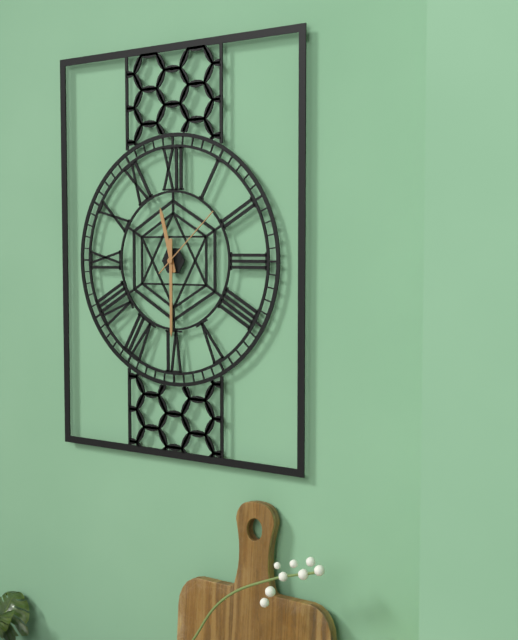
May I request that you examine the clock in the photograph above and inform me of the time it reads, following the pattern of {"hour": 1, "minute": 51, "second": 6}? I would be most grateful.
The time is {"hour": 11, "minute": 30, "second": 8}
